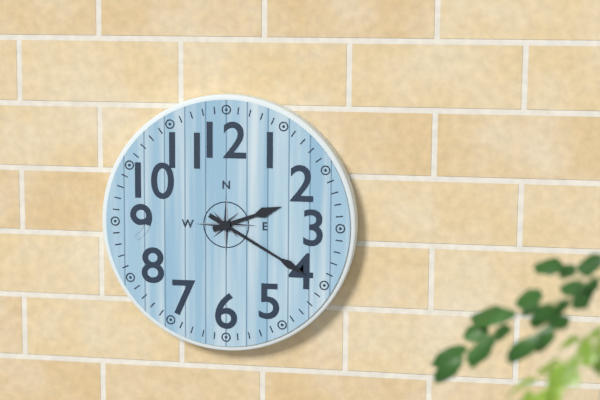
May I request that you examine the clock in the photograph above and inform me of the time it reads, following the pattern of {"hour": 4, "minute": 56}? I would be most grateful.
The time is {"hour": 2, "minute": 20}
